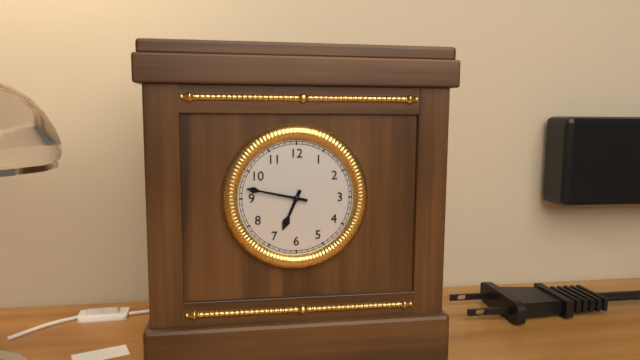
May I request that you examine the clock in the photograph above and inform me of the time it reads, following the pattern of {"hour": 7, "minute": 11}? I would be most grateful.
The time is {"hour": 6, "minute": 47}
